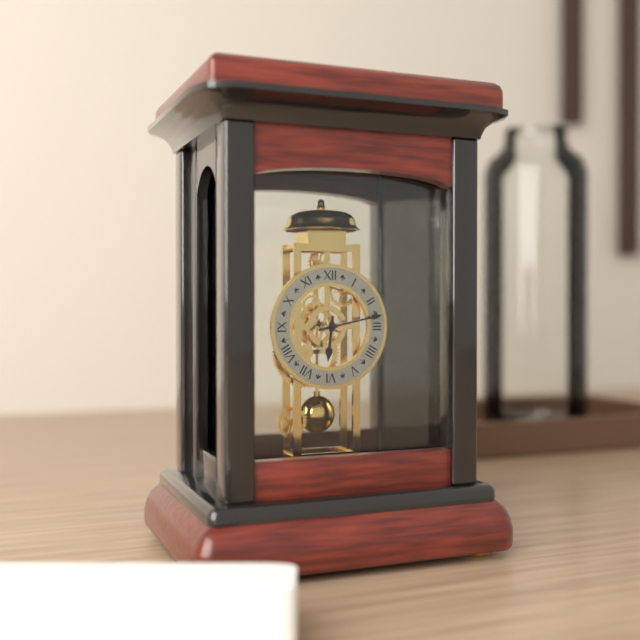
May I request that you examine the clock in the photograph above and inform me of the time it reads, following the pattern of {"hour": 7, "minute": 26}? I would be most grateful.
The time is {"hour": 6, "minute": 13}
